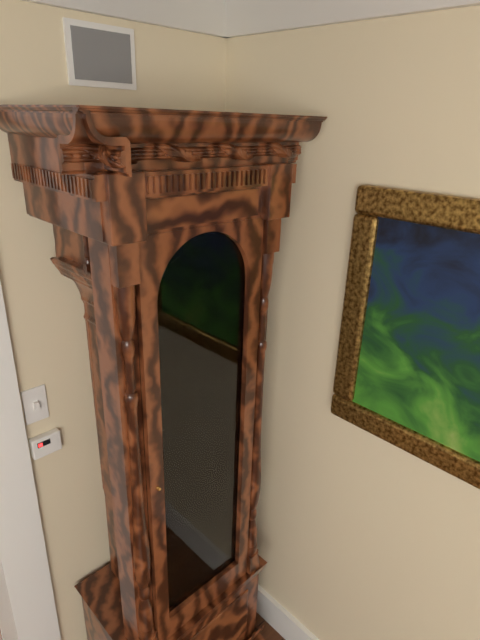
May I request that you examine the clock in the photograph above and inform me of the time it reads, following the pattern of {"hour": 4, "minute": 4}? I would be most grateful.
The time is {"hour": 3, "minute": 45}
